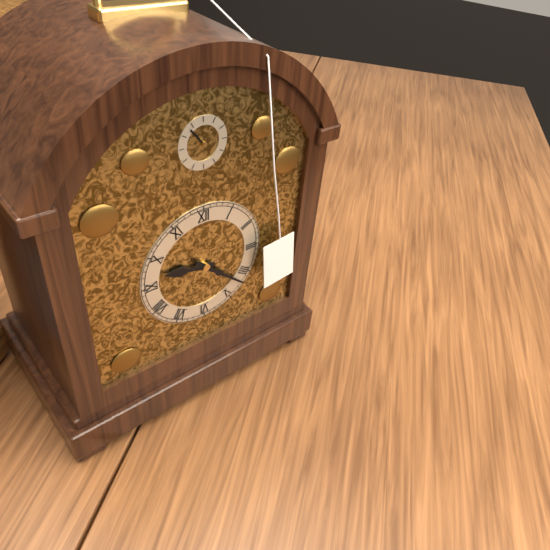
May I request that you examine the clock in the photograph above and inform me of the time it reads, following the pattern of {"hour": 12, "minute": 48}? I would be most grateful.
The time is {"hour": 9, "minute": 22}
